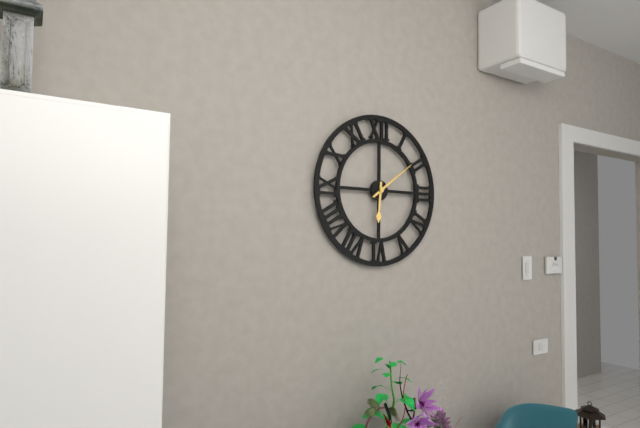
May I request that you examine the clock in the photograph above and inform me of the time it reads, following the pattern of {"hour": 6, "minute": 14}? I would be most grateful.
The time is {"hour": 6, "minute": 9}
